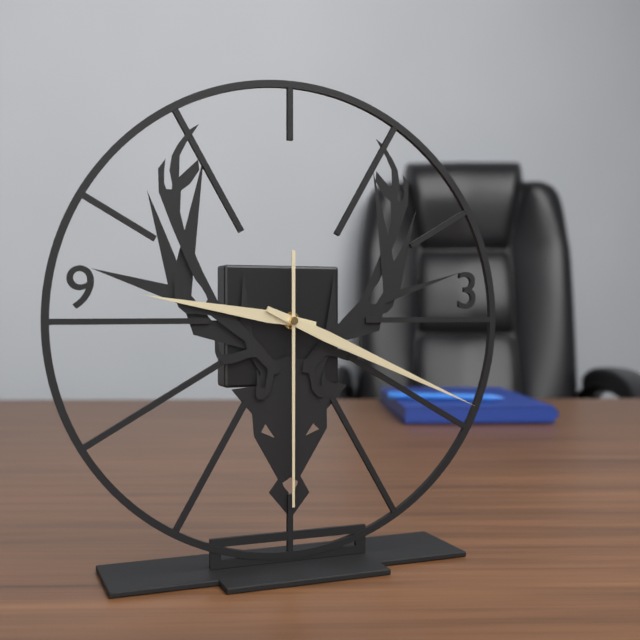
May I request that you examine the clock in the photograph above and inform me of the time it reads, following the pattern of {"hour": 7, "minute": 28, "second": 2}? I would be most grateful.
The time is {"hour": 9, "minute": 19, "second": 30}
